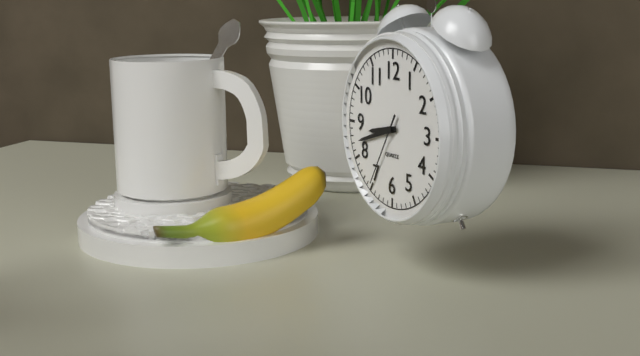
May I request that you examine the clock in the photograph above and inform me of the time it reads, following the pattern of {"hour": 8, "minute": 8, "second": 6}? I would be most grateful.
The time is {"hour": 8, "minute": 42, "second": 35}
